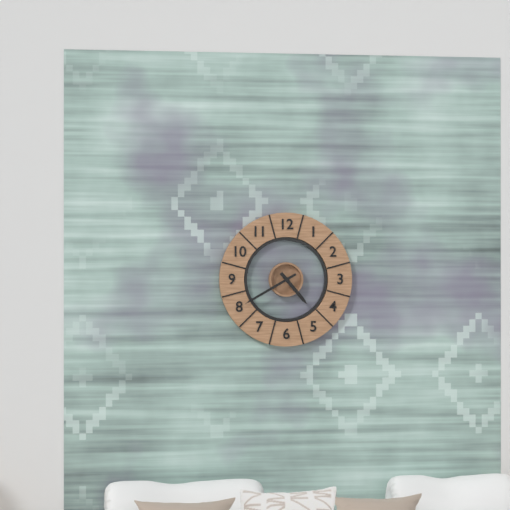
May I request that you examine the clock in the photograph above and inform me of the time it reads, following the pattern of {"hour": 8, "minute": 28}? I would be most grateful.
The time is {"hour": 4, "minute": 40}
